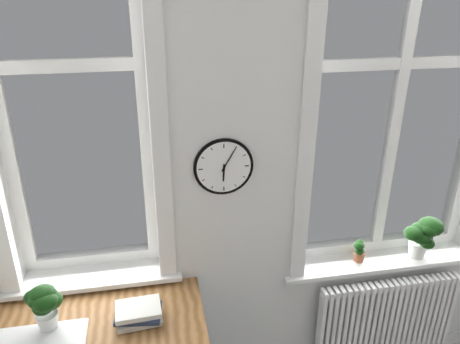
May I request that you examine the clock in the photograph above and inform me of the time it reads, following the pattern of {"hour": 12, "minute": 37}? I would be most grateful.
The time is {"hour": 6, "minute": 5}
